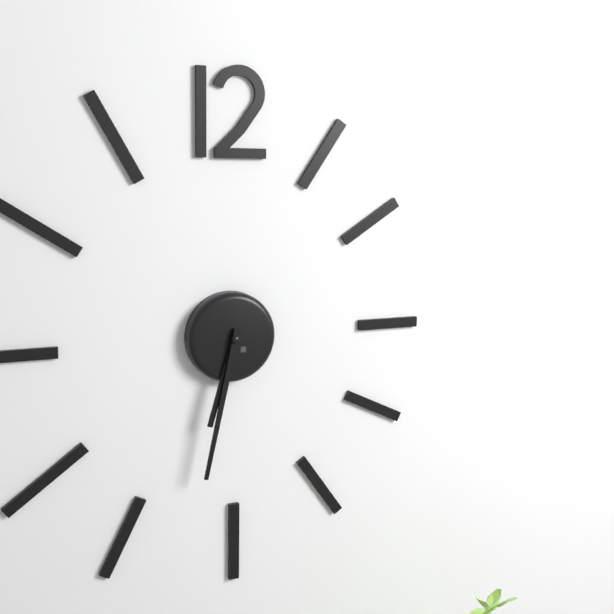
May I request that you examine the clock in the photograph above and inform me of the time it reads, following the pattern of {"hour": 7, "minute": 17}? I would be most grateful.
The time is {"hour": 6, "minute": 32}
